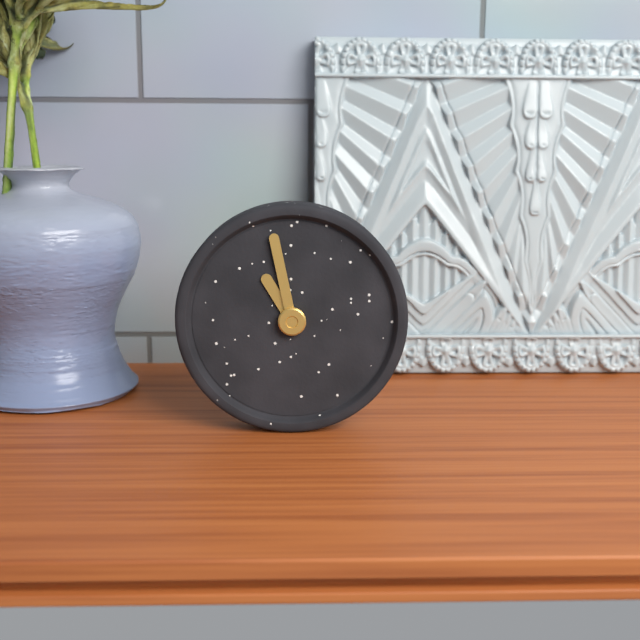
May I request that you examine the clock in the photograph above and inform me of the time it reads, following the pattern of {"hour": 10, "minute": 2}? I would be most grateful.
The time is {"hour": 10, "minute": 58}
